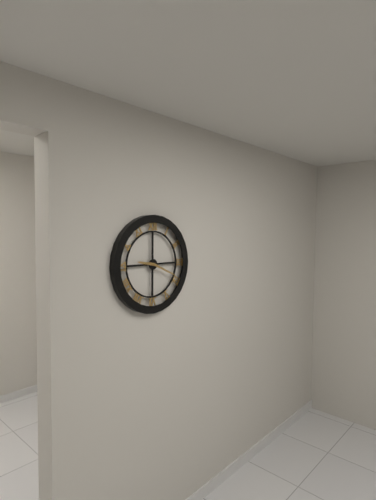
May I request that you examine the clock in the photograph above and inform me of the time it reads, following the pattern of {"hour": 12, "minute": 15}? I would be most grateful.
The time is {"hour": 9, "minute": 19}
